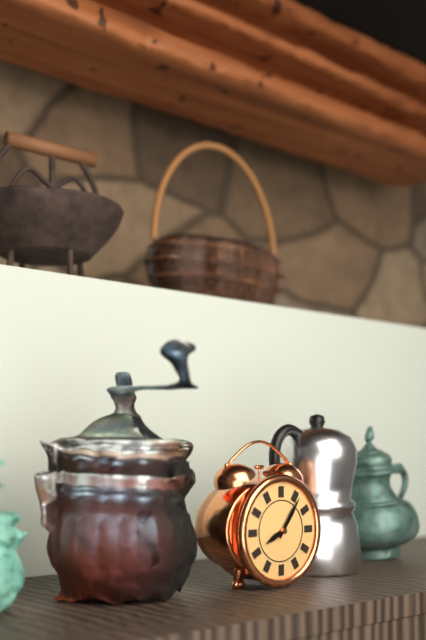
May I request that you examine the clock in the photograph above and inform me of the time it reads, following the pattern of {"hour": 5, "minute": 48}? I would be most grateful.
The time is {"hour": 8, "minute": 6}
